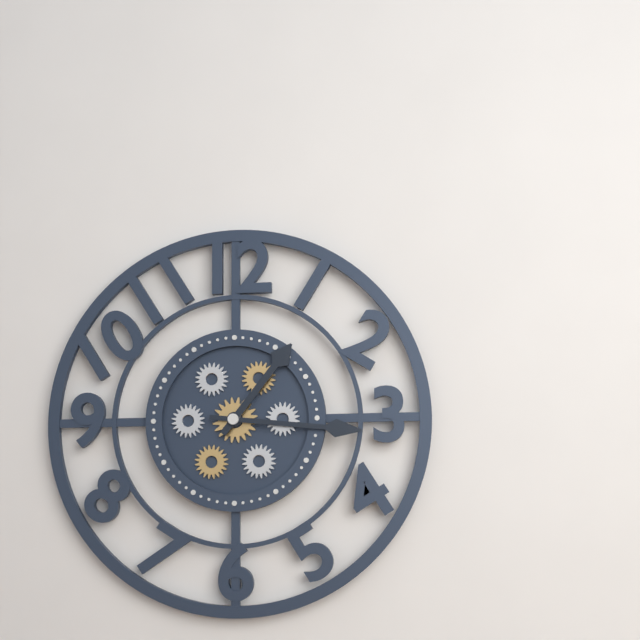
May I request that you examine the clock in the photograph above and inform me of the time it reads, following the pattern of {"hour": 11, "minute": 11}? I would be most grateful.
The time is {"hour": 1, "minute": 16}
